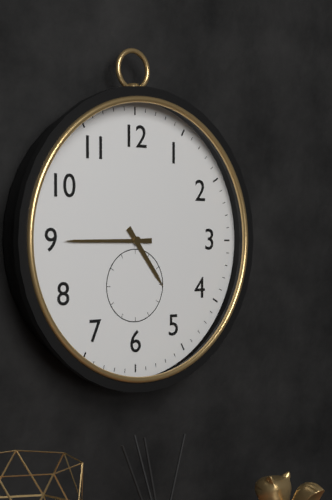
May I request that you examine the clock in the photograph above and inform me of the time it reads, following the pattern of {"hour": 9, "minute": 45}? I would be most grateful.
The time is {"hour": 4, "minute": 45}
